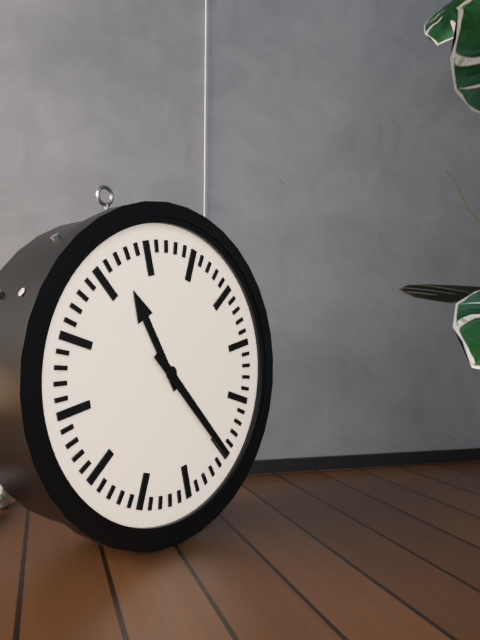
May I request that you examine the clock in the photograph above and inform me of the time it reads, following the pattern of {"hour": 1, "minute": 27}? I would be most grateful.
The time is {"hour": 11, "minute": 25}
